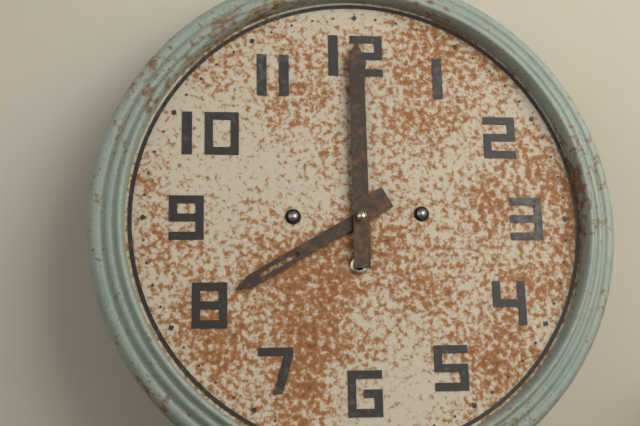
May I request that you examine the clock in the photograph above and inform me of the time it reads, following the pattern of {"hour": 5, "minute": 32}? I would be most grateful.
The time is {"hour": 8, "minute": 0}
